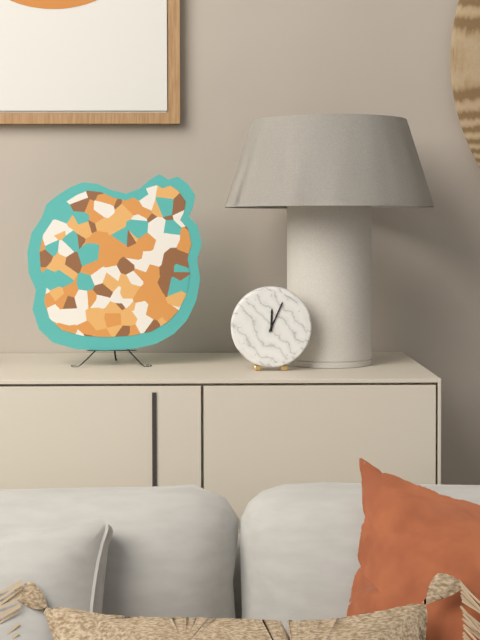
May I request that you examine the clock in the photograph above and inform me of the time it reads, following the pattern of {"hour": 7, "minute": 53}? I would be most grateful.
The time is {"hour": 12, "minute": 4}
